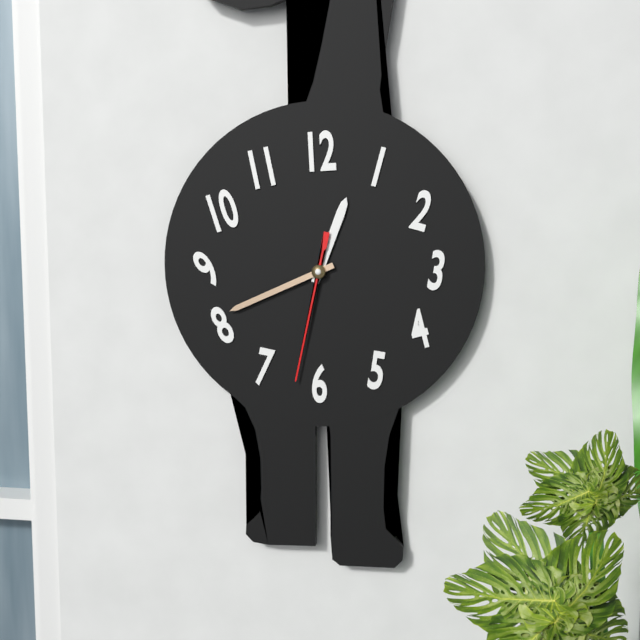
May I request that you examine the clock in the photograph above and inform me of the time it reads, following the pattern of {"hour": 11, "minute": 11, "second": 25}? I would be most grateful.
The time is {"hour": 12, "minute": 41, "second": 32}
